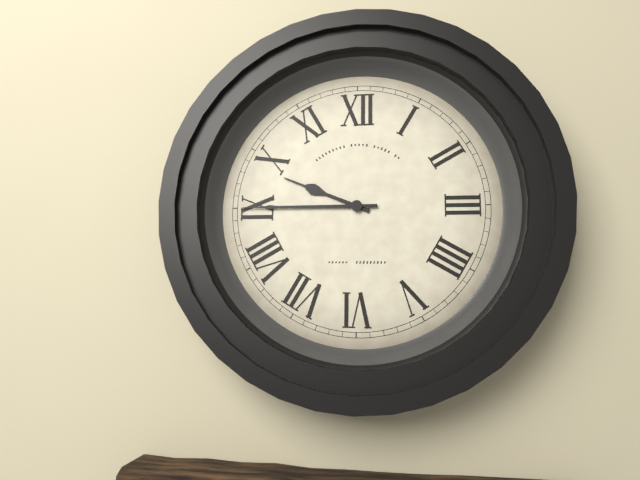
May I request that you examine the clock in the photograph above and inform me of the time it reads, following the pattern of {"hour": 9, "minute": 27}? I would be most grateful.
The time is {"hour": 9, "minute": 45}
